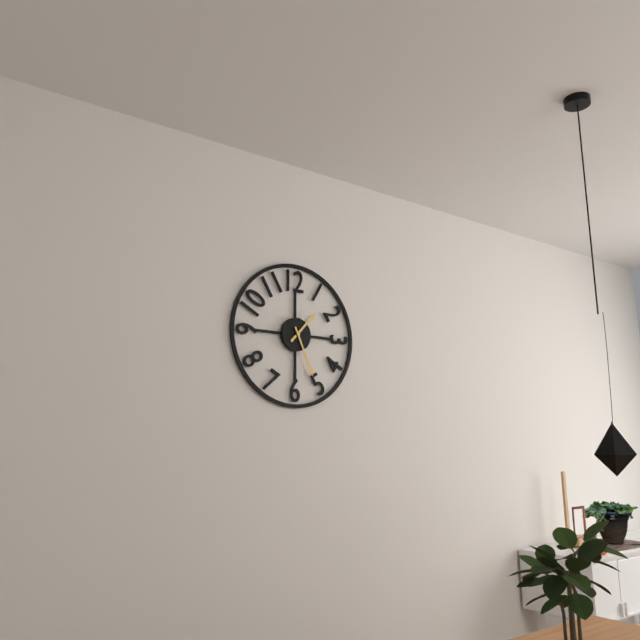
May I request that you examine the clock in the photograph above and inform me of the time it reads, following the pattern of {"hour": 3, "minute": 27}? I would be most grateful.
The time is {"hour": 1, "minute": 26}
